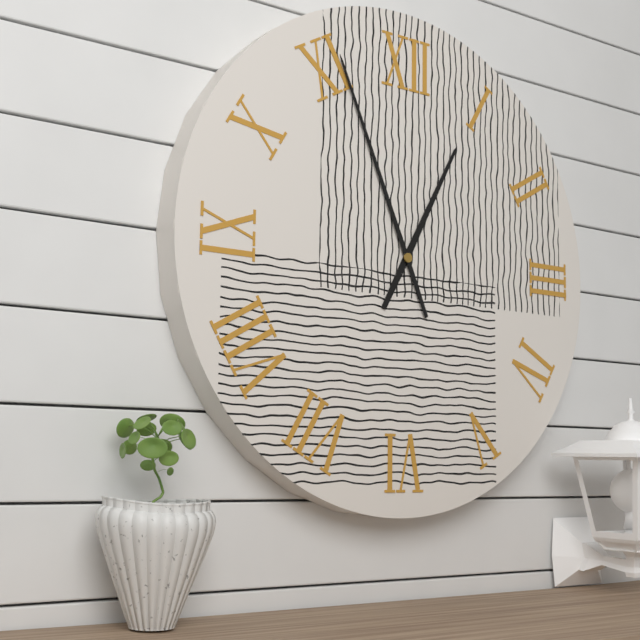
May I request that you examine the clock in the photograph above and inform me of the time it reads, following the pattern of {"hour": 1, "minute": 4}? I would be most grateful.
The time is {"hour": 12, "minute": 56}
